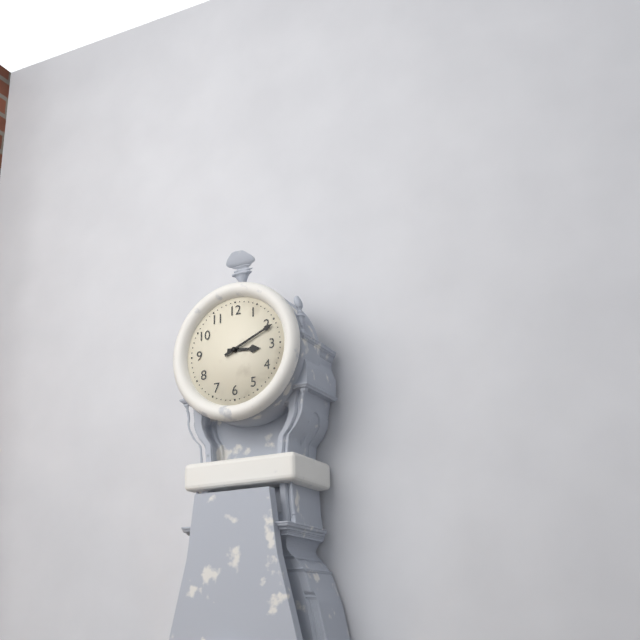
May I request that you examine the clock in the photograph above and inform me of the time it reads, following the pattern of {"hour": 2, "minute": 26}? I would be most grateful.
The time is {"hour": 3, "minute": 11}
